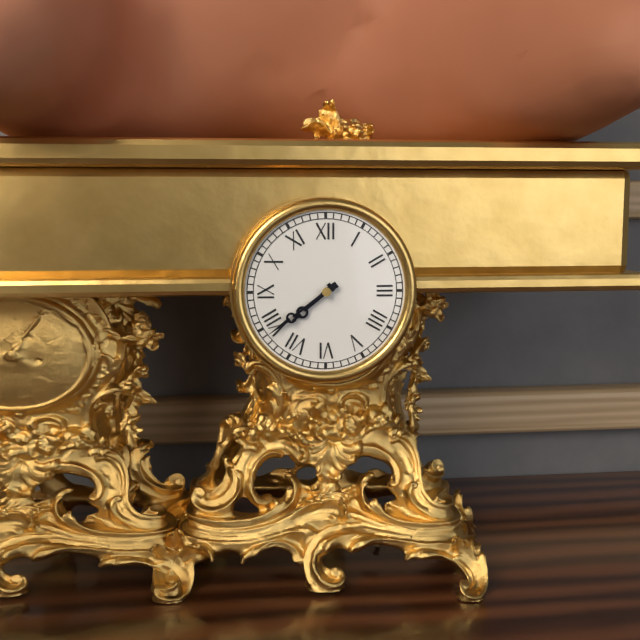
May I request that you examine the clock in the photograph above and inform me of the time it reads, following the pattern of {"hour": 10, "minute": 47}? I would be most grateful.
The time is {"hour": 7, "minute": 39}
